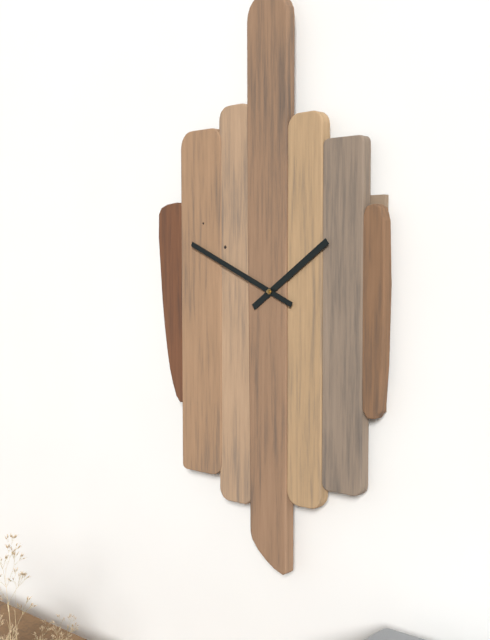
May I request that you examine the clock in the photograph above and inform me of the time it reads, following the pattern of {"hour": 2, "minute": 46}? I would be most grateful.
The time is {"hour": 1, "minute": 49}
